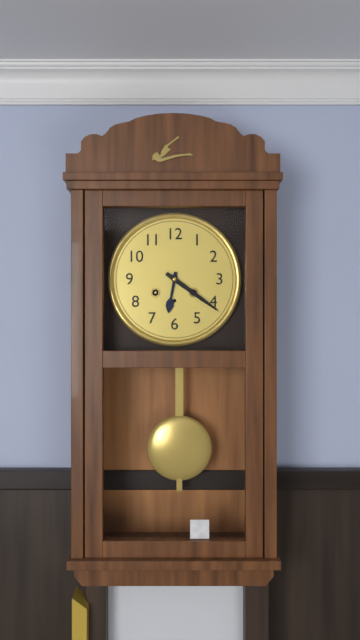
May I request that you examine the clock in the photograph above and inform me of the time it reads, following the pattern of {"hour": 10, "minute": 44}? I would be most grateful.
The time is {"hour": 6, "minute": 21}
